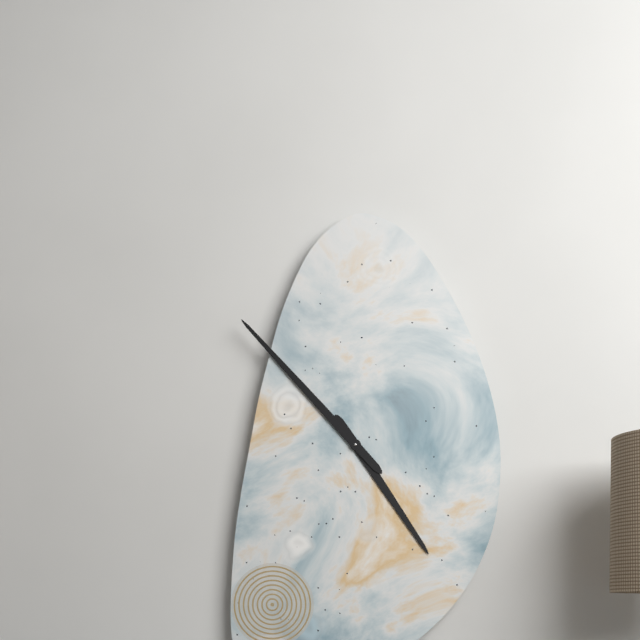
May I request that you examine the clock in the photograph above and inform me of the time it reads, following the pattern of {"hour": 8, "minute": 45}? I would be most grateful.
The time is {"hour": 4, "minute": 53}
